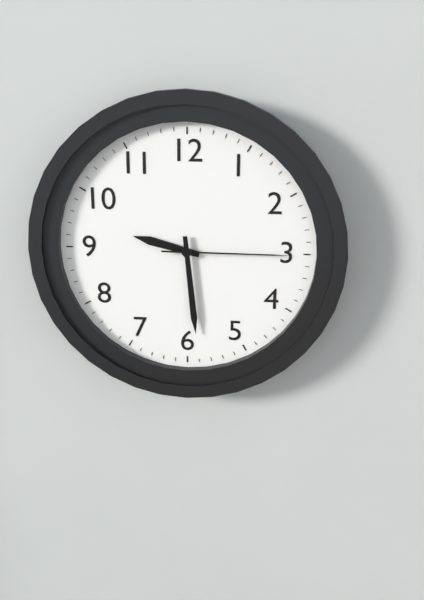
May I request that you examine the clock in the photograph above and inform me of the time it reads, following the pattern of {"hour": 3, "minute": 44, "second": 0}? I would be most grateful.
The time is {"hour": 9, "minute": 29, "second": 15}
